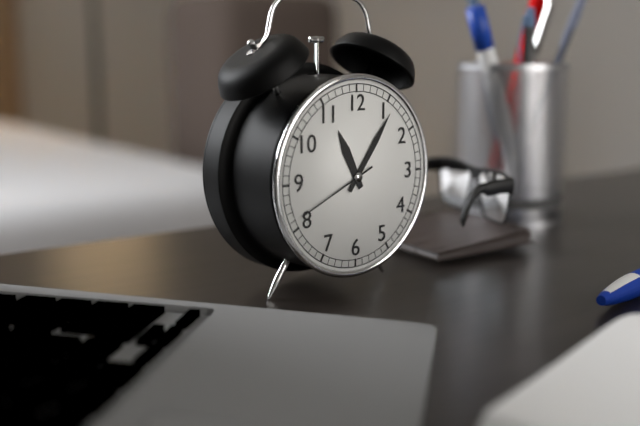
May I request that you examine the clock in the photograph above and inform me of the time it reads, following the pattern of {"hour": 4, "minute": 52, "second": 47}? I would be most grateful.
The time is {"hour": 11, "minute": 6, "second": 41}
